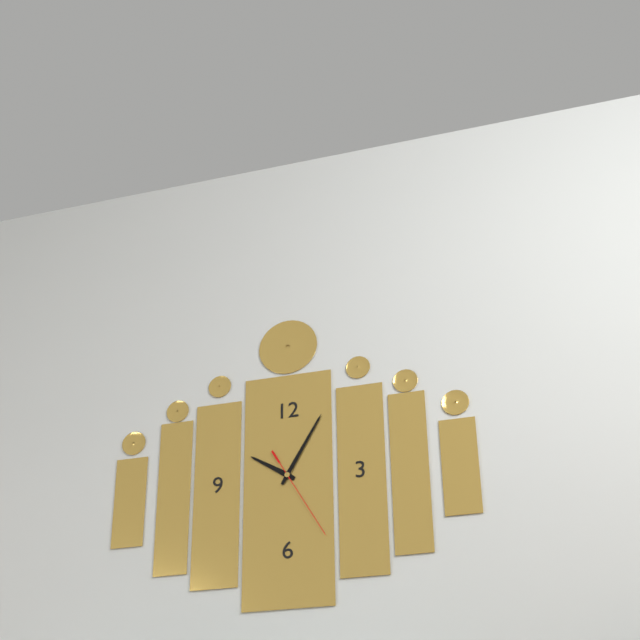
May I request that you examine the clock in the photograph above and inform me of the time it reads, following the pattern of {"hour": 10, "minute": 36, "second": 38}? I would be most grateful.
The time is {"hour": 10, "minute": 5, "second": 25}
